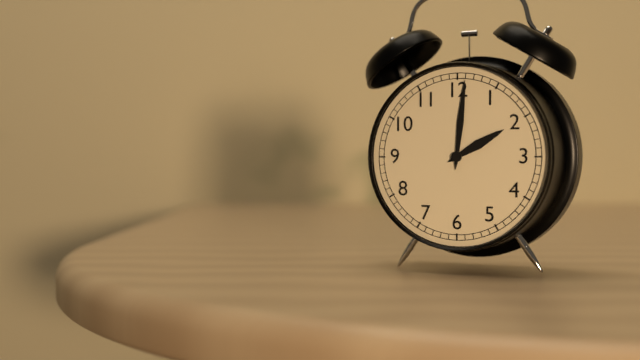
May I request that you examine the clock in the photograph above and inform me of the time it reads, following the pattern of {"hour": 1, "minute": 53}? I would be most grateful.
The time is {"hour": 2, "minute": 1}
